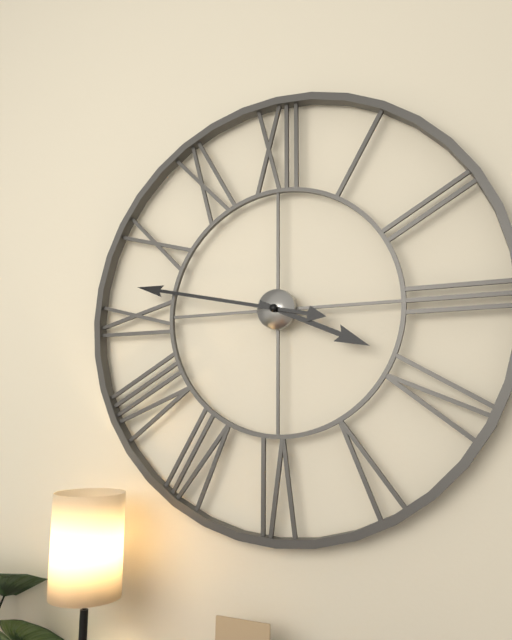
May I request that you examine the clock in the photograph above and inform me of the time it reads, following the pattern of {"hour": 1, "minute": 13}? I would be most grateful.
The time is {"hour": 3, "minute": 47}
